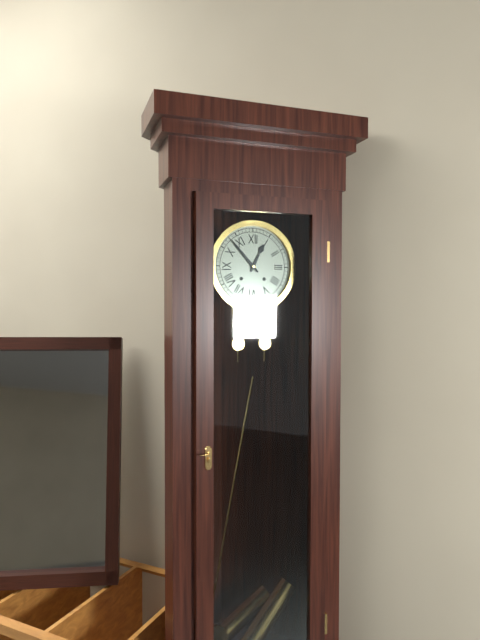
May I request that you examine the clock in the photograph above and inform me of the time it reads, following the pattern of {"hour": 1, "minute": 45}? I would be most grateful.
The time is {"hour": 12, "minute": 53}
